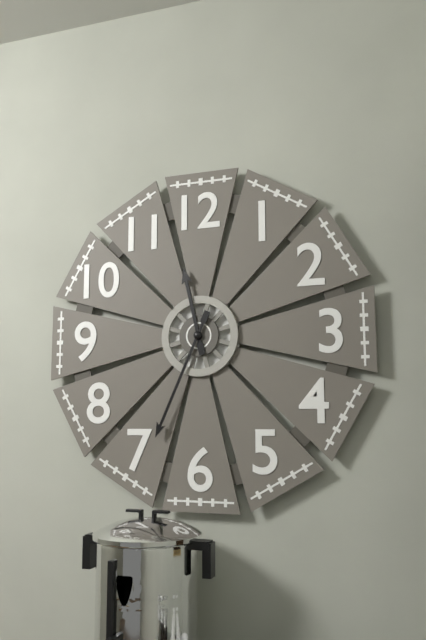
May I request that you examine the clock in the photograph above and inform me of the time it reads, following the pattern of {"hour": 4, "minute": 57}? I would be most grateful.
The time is {"hour": 11, "minute": 34}
